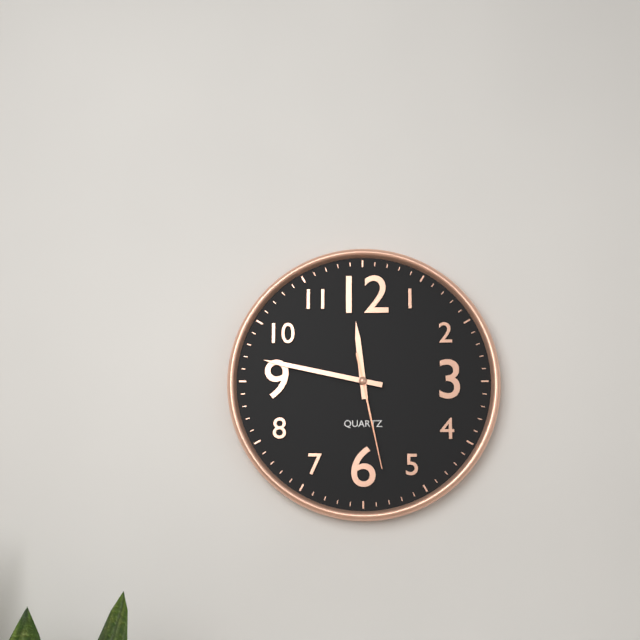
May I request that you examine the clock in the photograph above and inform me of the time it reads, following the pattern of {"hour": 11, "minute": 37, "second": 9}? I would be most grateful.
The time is {"hour": 11, "minute": 47, "second": 28}
